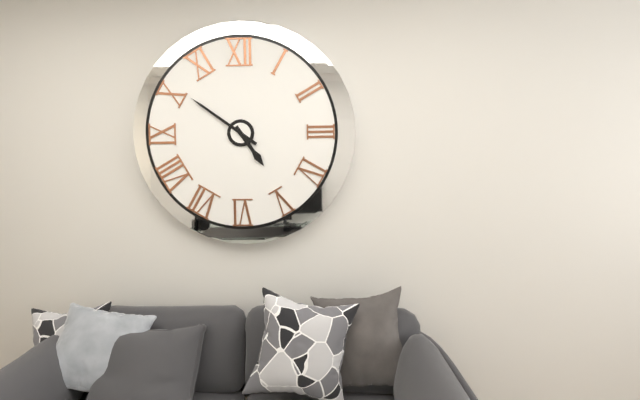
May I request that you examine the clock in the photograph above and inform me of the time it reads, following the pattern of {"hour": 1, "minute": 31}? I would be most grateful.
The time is {"hour": 4, "minute": 51}
